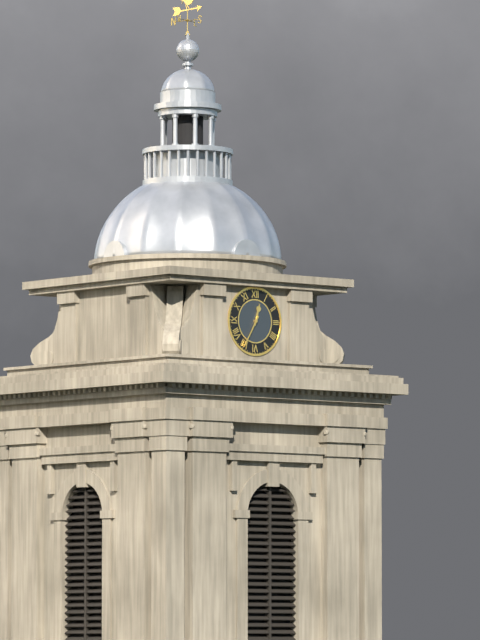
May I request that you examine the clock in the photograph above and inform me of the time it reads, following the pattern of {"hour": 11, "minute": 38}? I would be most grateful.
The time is {"hour": 12, "minute": 35}
